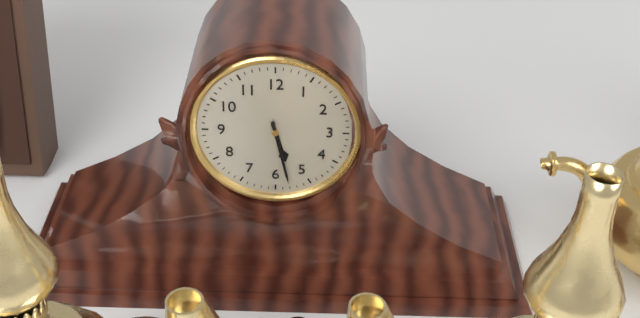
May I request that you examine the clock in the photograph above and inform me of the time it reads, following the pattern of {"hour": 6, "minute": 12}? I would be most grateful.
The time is {"hour": 5, "minute": 28}
